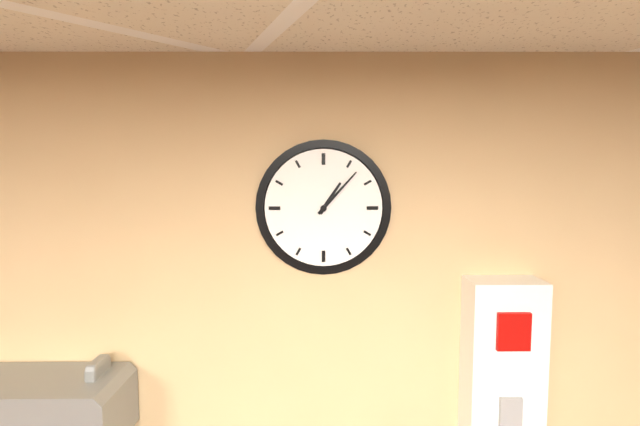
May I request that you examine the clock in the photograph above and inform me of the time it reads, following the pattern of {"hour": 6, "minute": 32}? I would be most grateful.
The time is {"hour": 1, "minute": 7}
